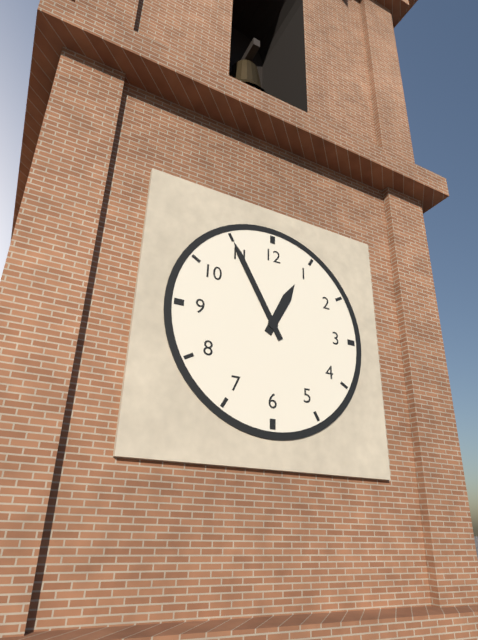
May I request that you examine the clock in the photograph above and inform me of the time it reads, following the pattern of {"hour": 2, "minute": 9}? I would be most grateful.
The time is {"hour": 12, "minute": 55}
